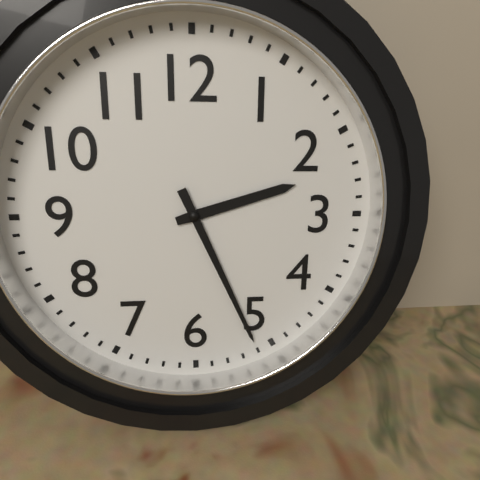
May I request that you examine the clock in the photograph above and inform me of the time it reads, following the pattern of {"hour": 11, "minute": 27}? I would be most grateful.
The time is {"hour": 2, "minute": 26}
